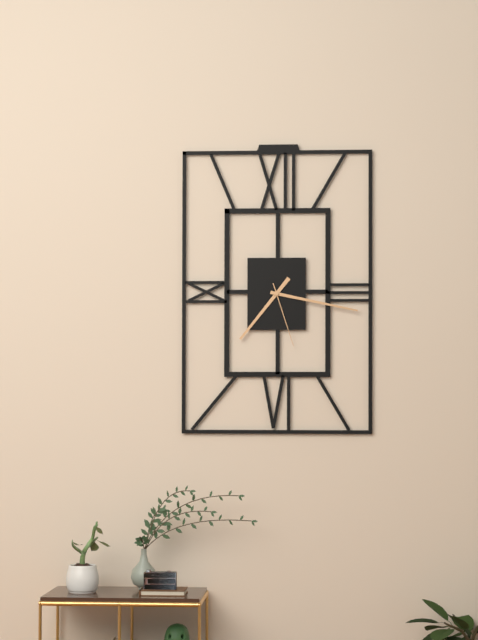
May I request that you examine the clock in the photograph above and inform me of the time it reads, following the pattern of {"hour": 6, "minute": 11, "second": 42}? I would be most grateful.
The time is {"hour": 7, "minute": 17, "second": 27}
